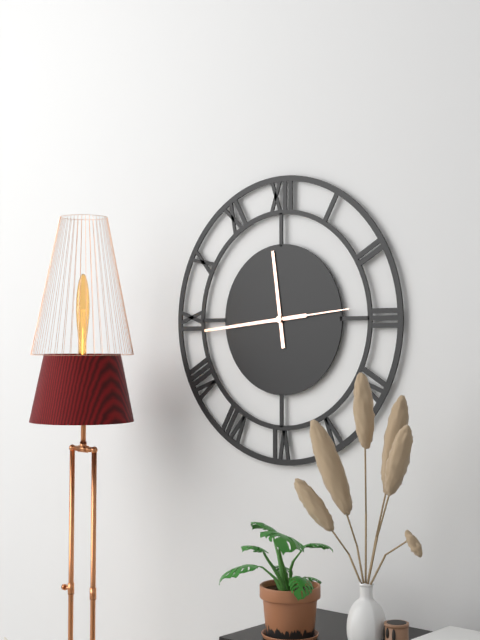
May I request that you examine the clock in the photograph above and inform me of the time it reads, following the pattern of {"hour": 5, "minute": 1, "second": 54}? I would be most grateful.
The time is {"hour": 11, "minute": 44, "second": 14}
